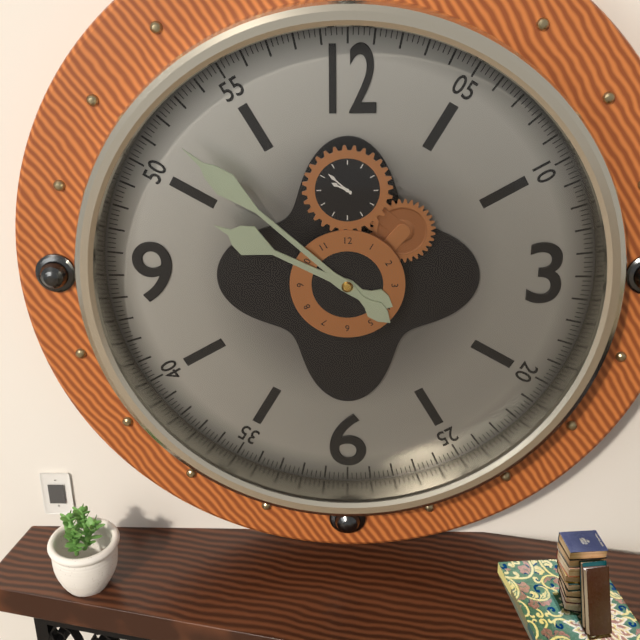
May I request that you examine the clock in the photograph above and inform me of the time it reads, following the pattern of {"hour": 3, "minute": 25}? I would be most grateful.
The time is {"hour": 9, "minute": 52}
